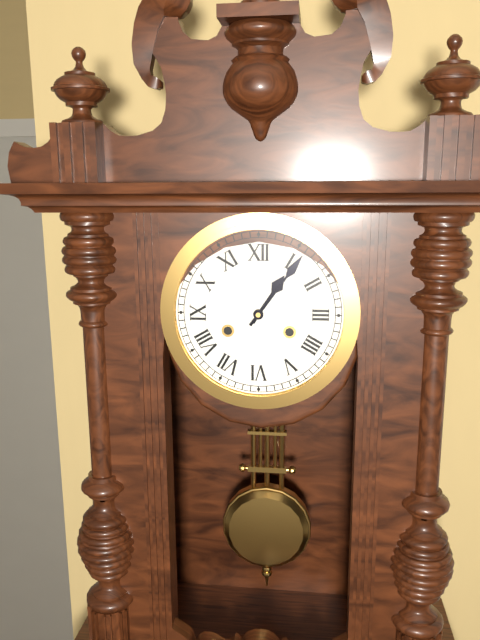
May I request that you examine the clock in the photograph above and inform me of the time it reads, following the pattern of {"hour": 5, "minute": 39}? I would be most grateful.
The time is {"hour": 1, "minute": 6}
